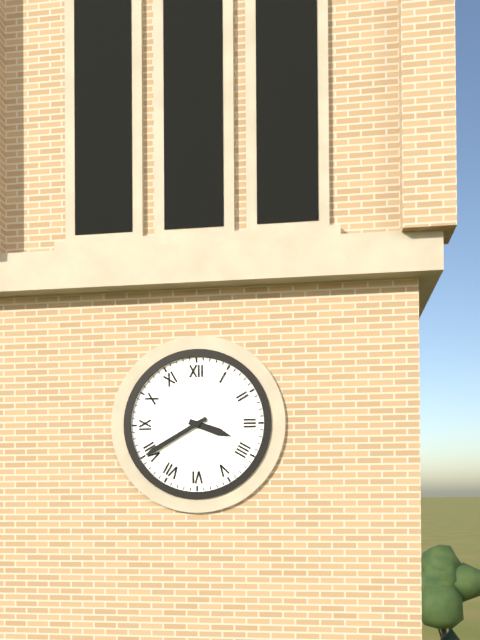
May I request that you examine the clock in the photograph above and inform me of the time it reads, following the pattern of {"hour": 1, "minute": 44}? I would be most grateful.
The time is {"hour": 3, "minute": 40}
